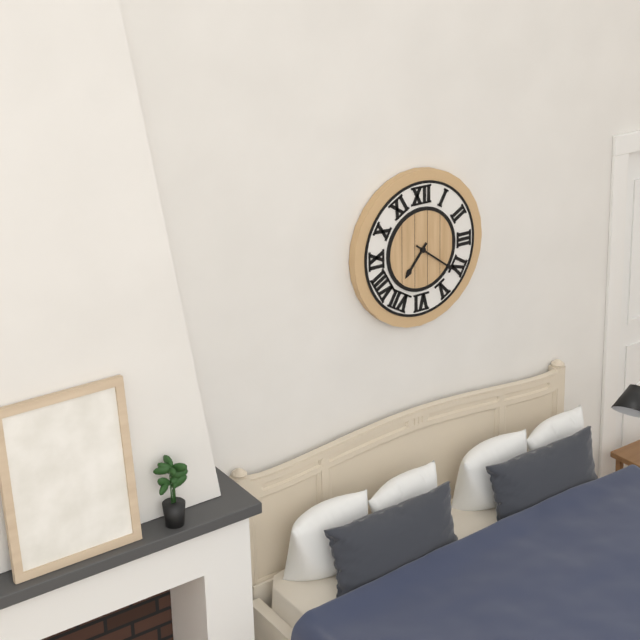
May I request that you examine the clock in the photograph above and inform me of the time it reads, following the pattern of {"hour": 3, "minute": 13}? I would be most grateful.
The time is {"hour": 7, "minute": 21}
